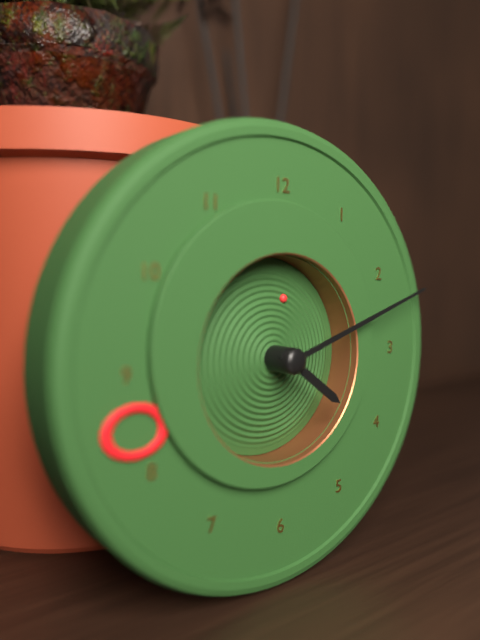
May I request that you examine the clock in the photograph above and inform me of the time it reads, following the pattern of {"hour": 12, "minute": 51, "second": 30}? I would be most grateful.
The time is {"hour": 4, "minute": 12, "second": 3}
